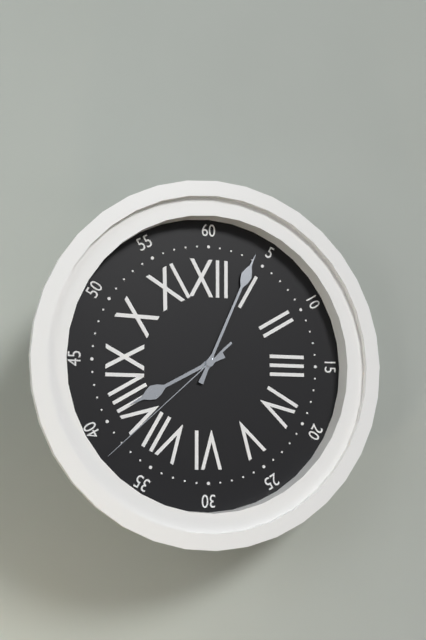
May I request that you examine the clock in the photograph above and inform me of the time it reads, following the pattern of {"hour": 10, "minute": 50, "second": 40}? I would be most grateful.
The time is {"hour": 8, "minute": 4, "second": 38}
